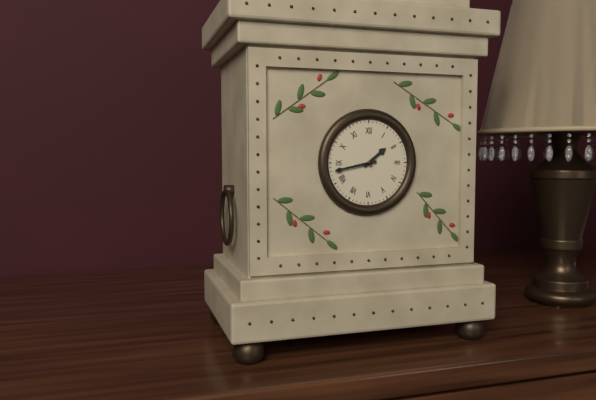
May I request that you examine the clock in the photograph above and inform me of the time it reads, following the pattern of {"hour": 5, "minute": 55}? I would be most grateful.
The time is {"hour": 1, "minute": 43}
